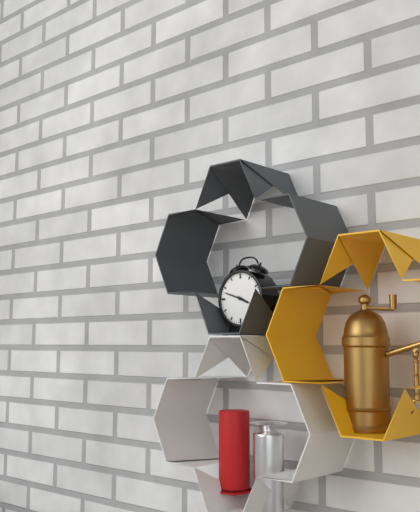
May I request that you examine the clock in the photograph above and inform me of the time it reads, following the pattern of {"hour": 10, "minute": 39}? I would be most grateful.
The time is {"hour": 3, "minute": 48}
